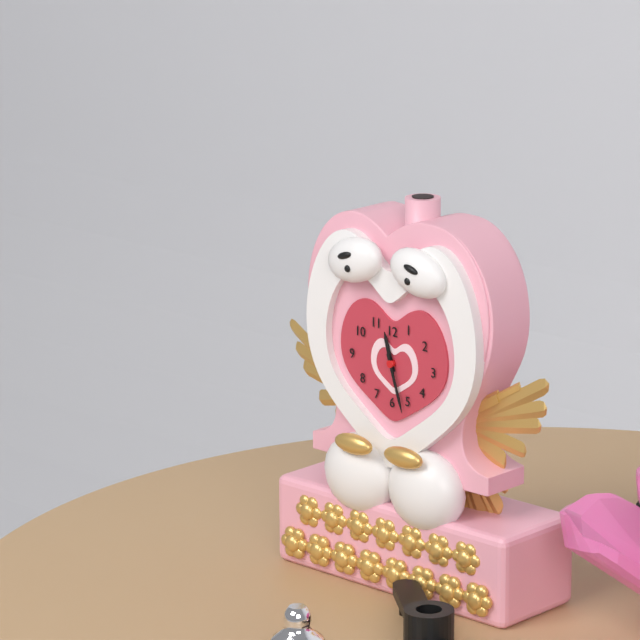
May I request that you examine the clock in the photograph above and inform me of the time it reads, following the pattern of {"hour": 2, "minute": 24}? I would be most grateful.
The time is {"hour": 11, "minute": 27}
